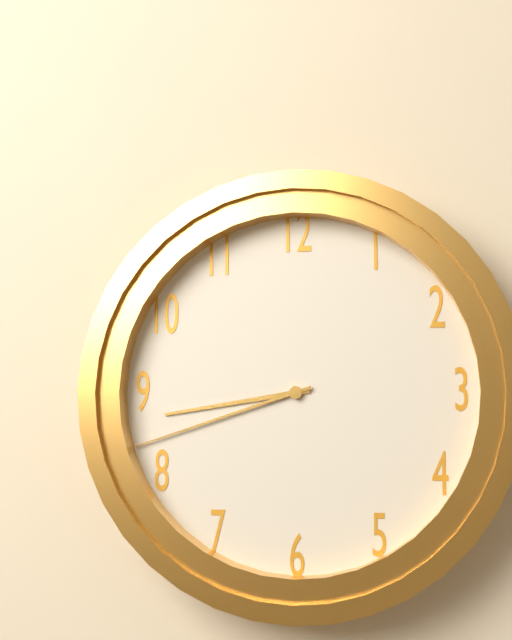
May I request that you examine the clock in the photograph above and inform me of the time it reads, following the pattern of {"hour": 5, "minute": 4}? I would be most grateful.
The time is {"hour": 8, "minute": 42}
